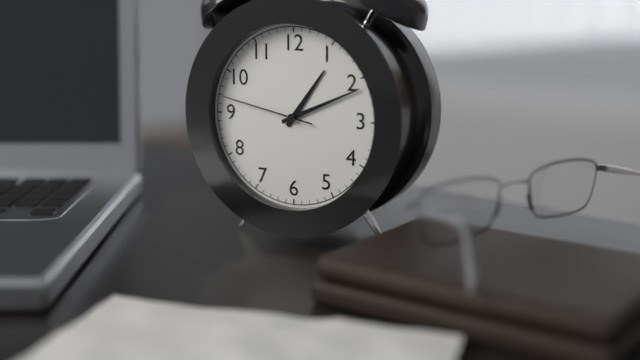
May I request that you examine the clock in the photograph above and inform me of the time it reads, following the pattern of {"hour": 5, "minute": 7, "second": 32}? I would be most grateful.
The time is {"hour": 1, "minute": 11, "second": 47}
